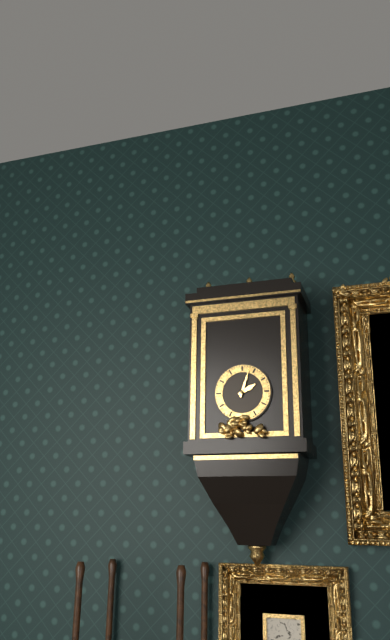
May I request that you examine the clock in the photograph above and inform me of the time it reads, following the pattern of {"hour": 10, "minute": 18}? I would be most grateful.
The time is {"hour": 2, "minute": 3}
